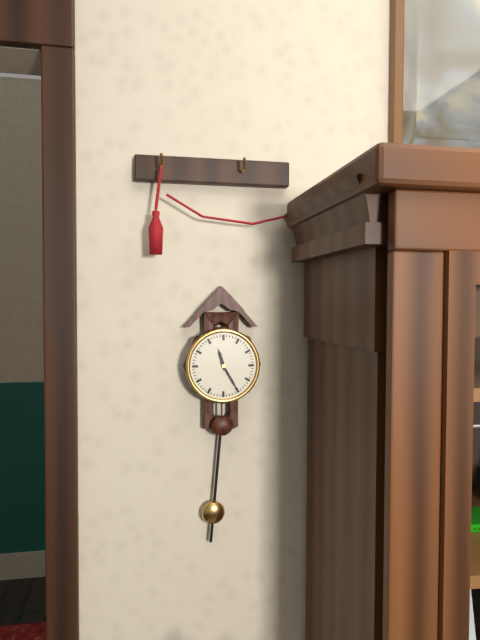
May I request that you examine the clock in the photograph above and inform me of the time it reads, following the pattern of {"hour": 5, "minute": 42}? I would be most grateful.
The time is {"hour": 11, "minute": 25}
